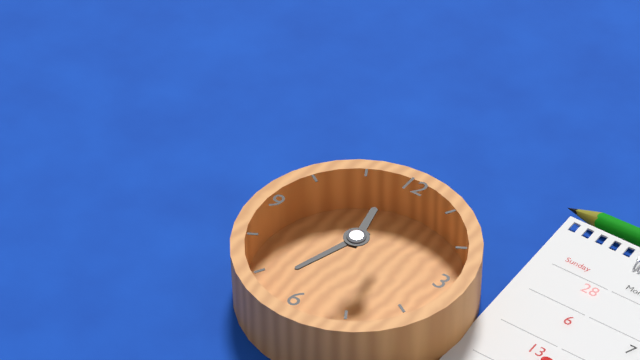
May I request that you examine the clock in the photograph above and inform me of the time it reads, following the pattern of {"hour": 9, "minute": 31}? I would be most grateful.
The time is {"hour": 11, "minute": 33}
